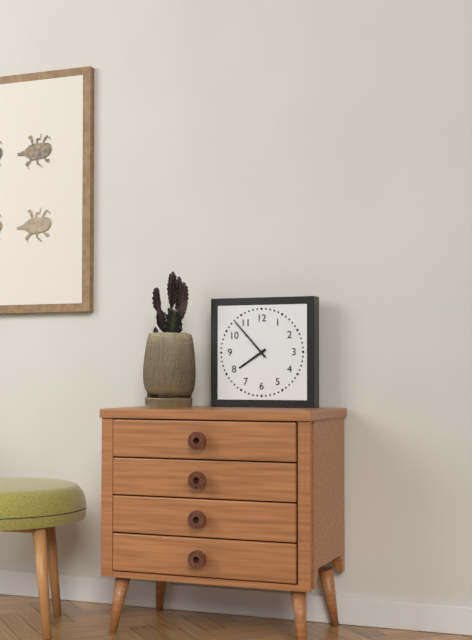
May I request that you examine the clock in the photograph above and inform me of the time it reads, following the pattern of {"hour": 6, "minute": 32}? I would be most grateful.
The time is {"hour": 7, "minute": 53}
